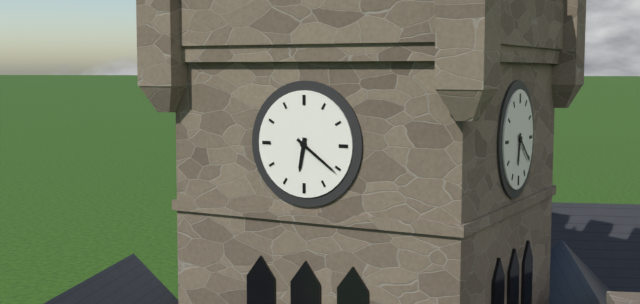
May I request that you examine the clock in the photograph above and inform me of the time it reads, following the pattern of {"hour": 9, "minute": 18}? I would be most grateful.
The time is {"hour": 6, "minute": 21}
